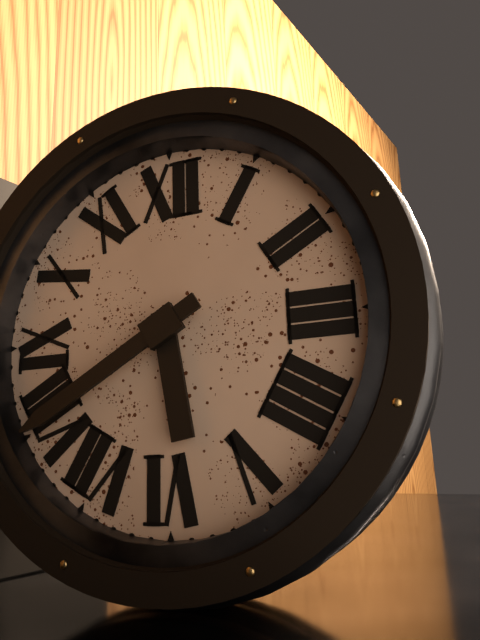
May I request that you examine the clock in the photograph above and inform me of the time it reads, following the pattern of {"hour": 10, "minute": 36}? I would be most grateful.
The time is {"hour": 5, "minute": 40}
